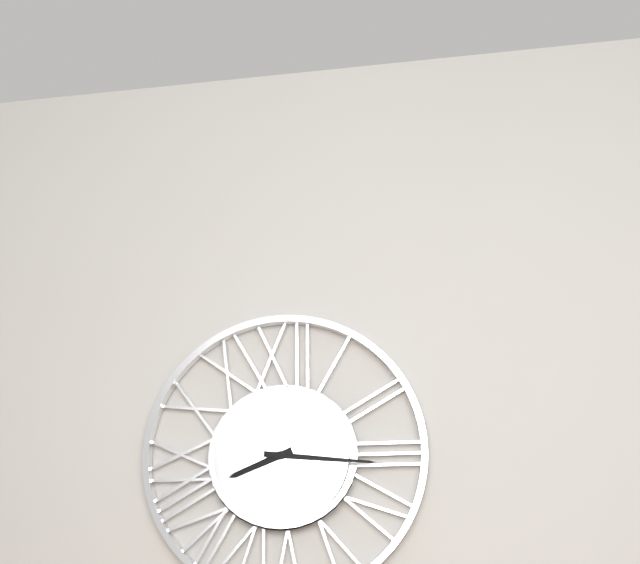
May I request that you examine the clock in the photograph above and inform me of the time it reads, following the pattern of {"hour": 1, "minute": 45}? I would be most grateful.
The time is {"hour": 8, "minute": 16}
